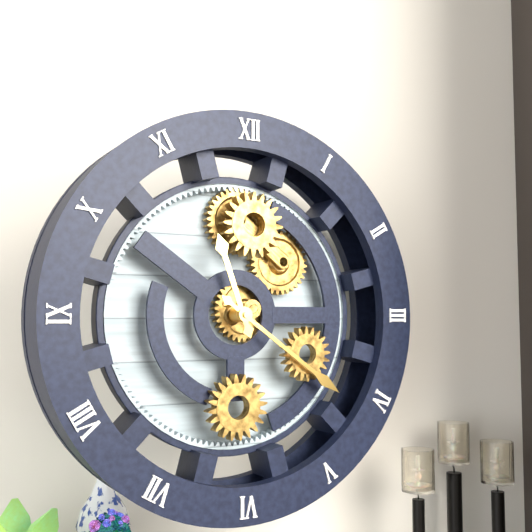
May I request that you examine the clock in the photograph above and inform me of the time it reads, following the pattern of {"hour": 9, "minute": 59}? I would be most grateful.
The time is {"hour": 11, "minute": 21}
